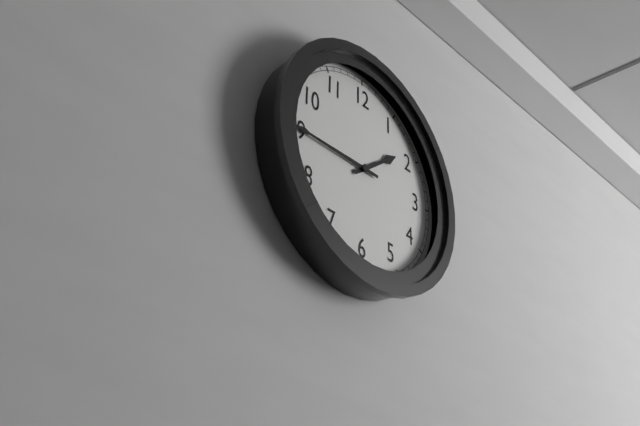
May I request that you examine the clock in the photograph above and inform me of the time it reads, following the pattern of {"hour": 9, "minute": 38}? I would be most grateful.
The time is {"hour": 1, "minute": 45}
